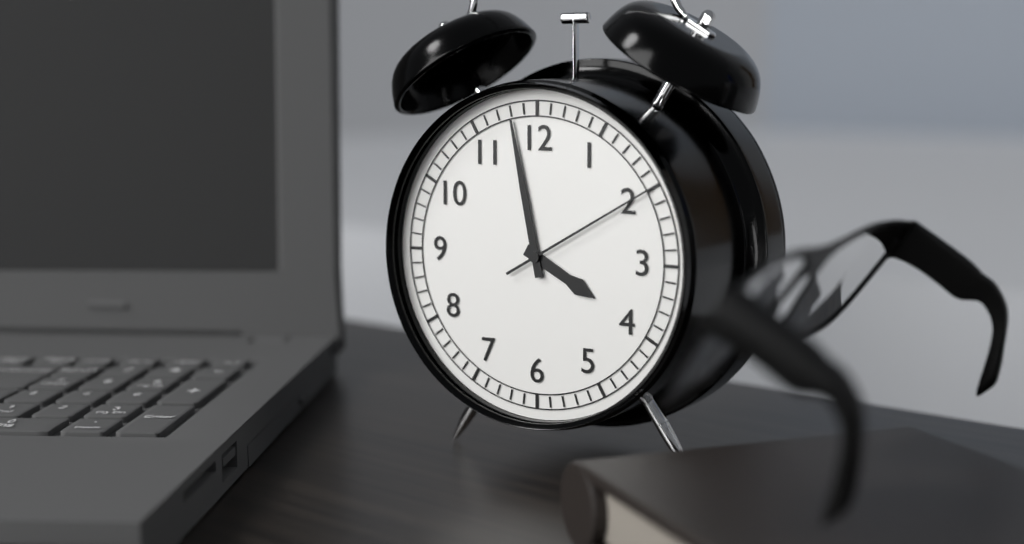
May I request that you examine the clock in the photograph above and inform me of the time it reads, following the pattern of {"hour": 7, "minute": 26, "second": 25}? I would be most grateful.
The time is {"hour": 3, "minute": 58, "second": 10}
